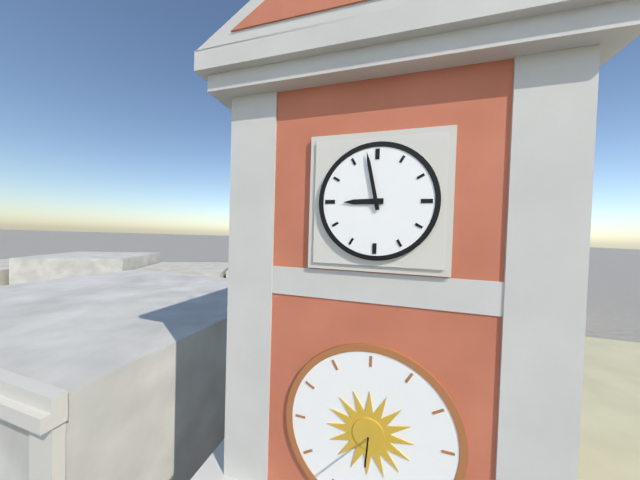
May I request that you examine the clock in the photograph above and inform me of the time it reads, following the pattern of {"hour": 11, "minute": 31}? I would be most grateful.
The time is {"hour": 8, "minute": 58}
